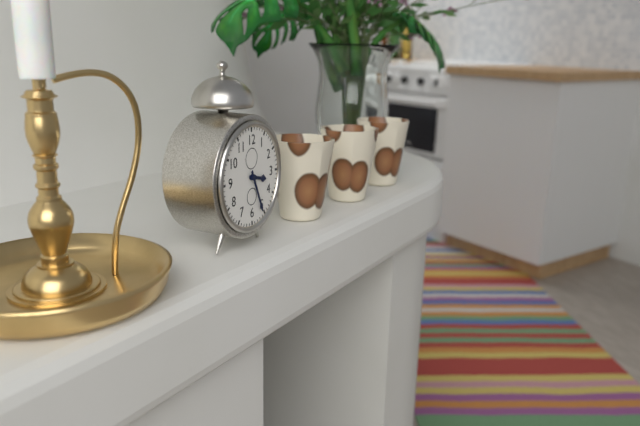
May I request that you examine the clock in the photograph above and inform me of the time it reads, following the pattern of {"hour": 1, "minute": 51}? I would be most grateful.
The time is {"hour": 3, "minute": 26}
